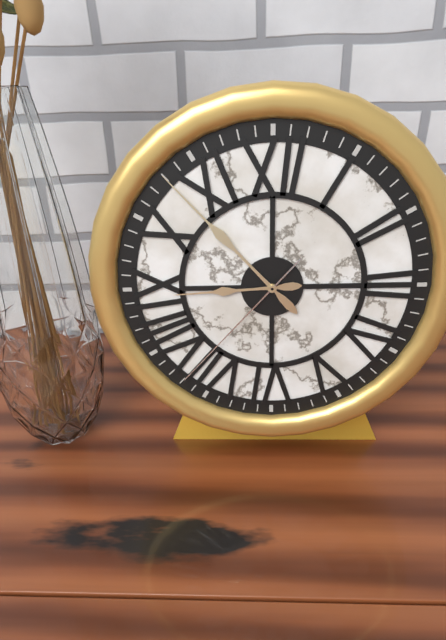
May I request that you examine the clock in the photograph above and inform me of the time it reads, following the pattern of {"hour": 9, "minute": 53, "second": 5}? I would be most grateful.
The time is {"hour": 8, "minute": 53, "second": 37}
